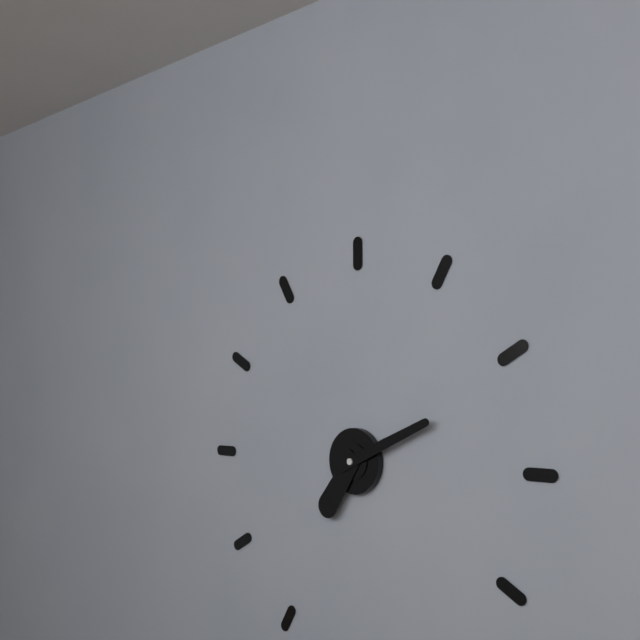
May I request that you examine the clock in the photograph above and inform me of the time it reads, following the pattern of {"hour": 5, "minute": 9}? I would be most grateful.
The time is {"hour": 7, "minute": 11}
